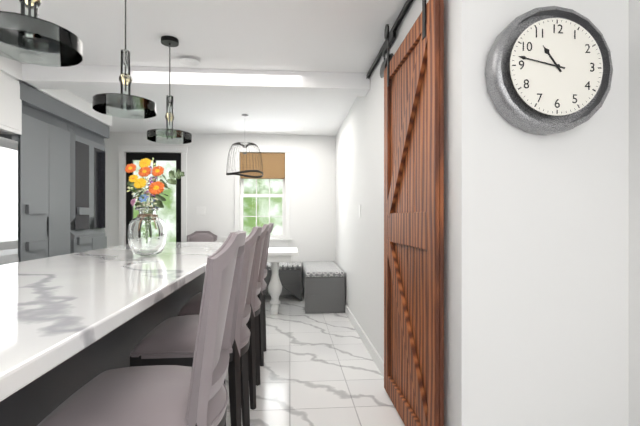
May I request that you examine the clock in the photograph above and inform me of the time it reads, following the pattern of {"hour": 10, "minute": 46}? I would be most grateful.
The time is {"hour": 10, "minute": 47}
